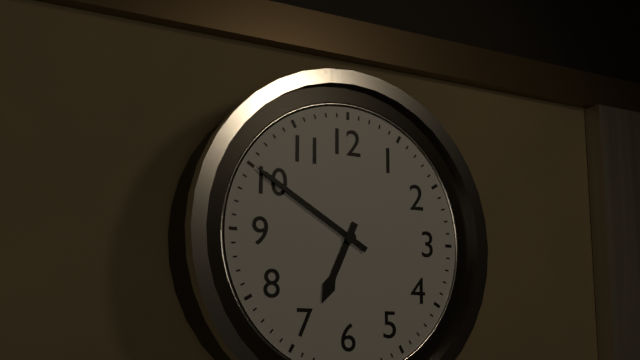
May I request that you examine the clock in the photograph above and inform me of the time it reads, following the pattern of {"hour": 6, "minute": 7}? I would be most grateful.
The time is {"hour": 6, "minute": 50}
